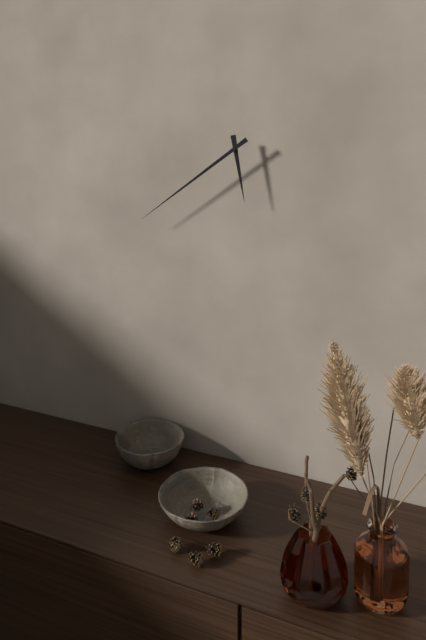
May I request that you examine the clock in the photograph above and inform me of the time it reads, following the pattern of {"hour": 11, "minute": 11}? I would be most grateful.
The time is {"hour": 5, "minute": 39}
